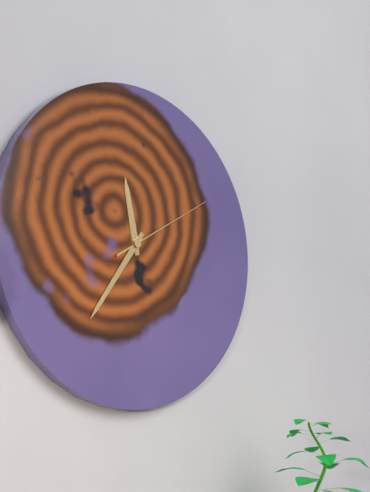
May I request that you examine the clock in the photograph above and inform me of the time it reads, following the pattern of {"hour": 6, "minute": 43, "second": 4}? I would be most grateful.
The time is {"hour": 11, "minute": 36, "second": 10}
